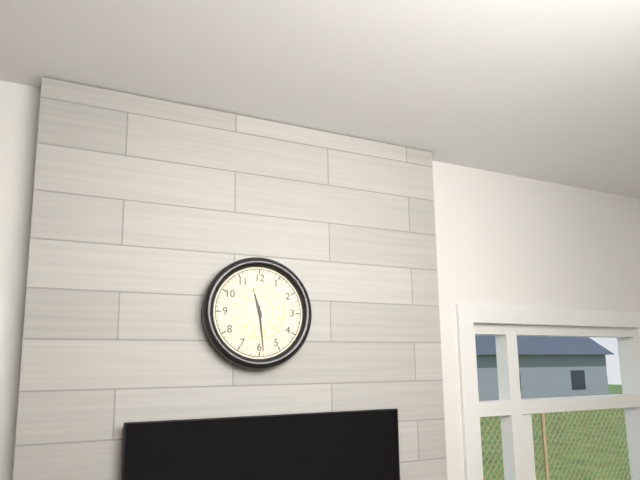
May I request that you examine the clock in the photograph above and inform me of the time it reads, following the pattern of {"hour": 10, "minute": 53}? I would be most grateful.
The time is {"hour": 11, "minute": 29}
